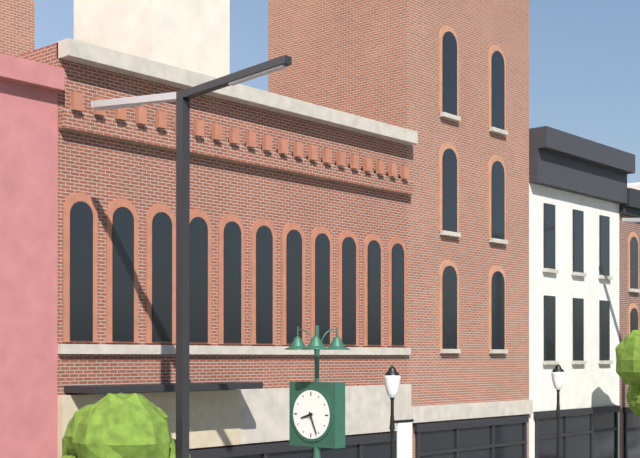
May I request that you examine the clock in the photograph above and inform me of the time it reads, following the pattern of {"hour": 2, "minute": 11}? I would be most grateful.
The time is {"hour": 8, "minute": 26}
